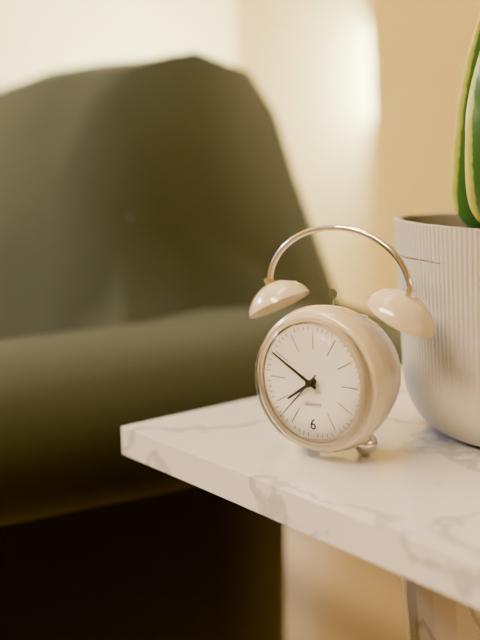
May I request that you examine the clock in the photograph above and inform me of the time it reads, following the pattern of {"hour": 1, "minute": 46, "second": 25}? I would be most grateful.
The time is {"hour": 7, "minute": 50, "second": 37}
